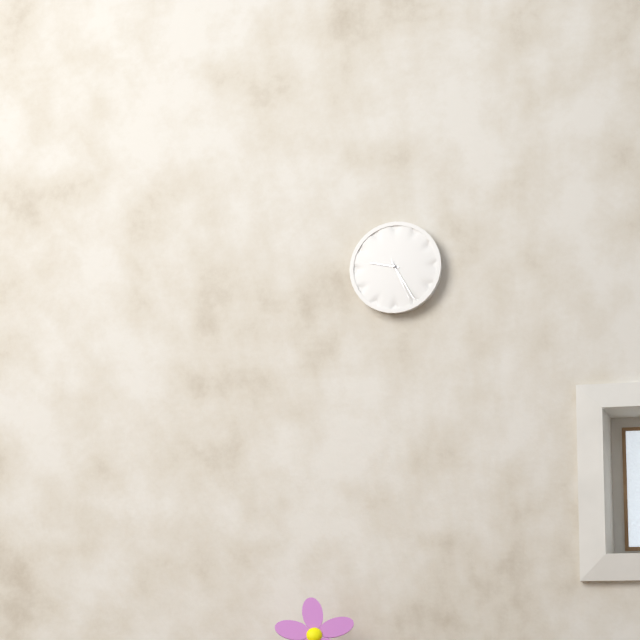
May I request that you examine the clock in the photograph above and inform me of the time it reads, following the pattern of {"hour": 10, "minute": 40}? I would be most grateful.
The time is {"hour": 9, "minute": 25}
